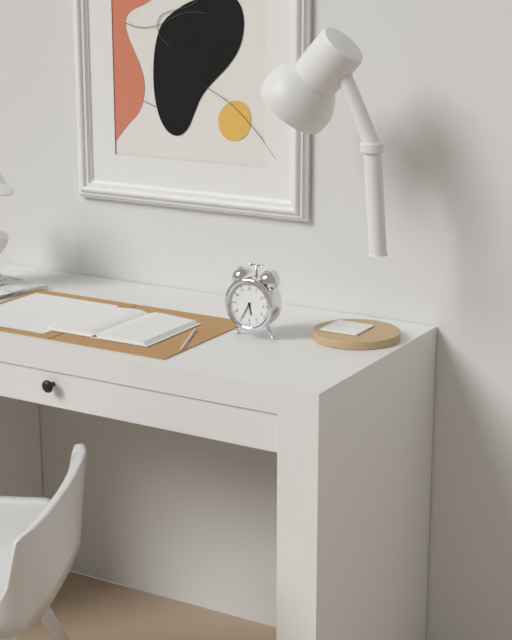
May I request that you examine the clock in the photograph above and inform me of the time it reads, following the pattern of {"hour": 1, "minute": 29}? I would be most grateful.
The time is {"hour": 5, "minute": 35}
